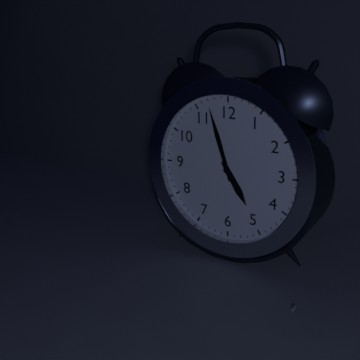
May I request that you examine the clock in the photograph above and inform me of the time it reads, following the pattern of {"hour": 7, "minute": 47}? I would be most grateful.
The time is {"hour": 4, "minute": 57}
